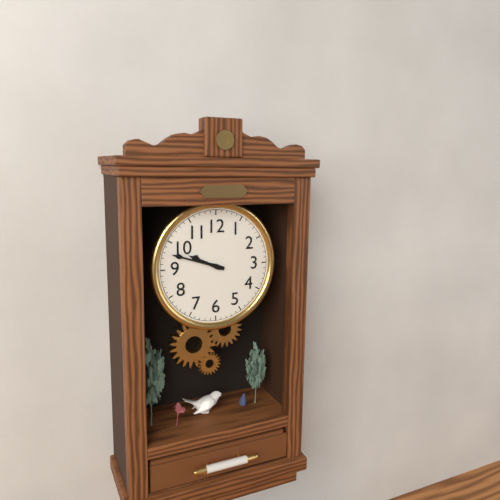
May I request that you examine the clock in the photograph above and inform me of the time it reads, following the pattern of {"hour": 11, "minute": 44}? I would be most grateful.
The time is {"hour": 9, "minute": 48}
